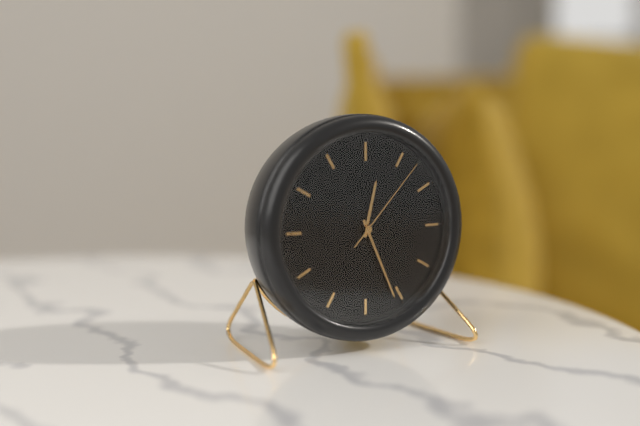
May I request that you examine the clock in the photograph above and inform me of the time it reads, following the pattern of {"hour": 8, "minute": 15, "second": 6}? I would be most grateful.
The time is {"hour": 12, "minute": 26, "second": 7}
